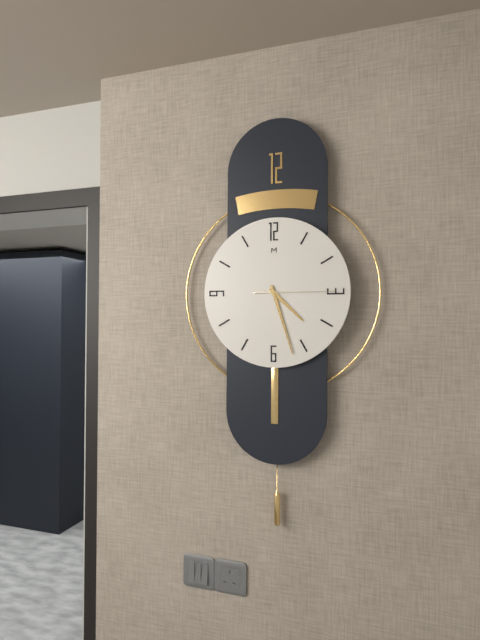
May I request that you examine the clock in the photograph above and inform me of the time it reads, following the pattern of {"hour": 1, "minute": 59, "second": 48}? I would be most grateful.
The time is {"hour": 4, "minute": 27, "second": 15}
